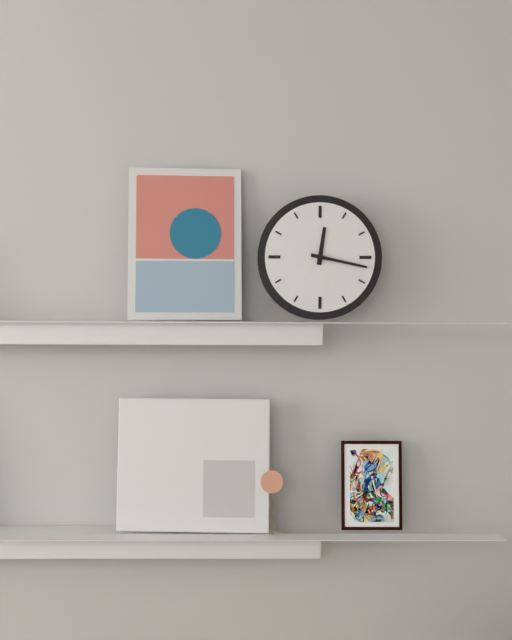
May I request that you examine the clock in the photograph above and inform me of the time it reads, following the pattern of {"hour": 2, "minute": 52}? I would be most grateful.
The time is {"hour": 12, "minute": 17}
